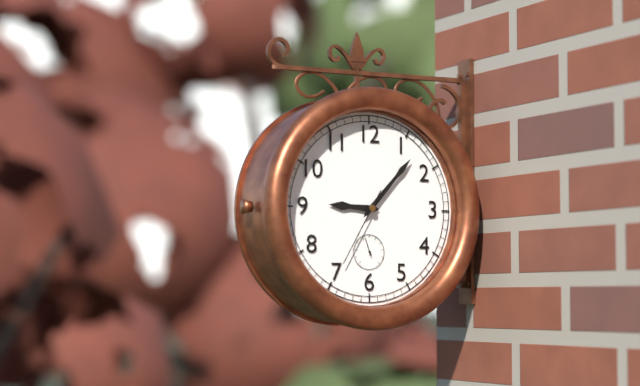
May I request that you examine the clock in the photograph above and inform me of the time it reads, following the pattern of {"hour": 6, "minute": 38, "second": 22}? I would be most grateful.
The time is {"hour": 9, "minute": 7, "second": 35}
